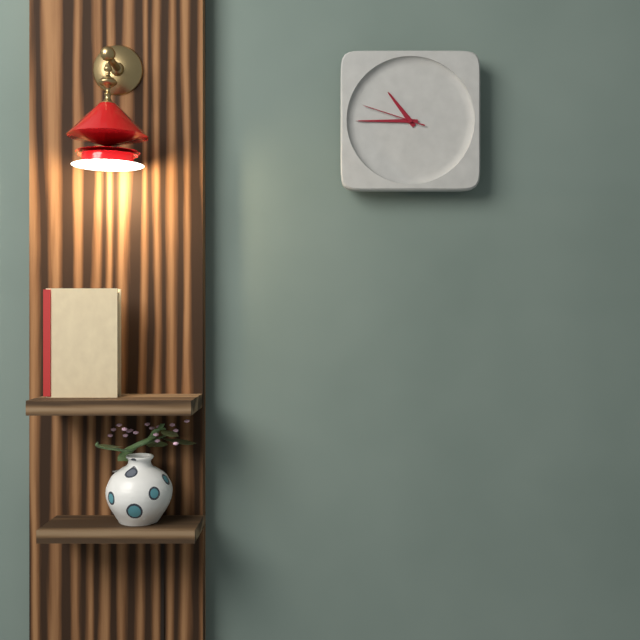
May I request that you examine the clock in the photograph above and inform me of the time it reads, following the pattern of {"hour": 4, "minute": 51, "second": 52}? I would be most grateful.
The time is {"hour": 10, "minute": 45, "second": 48}
